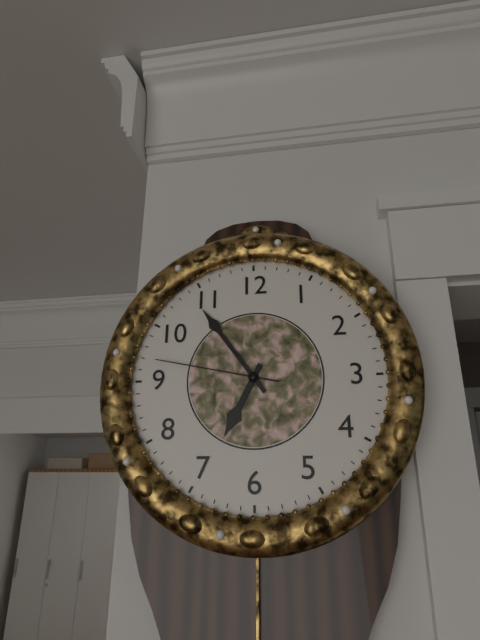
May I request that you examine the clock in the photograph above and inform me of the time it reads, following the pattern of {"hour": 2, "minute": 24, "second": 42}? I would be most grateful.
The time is {"hour": 6, "minute": 54, "second": 47}
